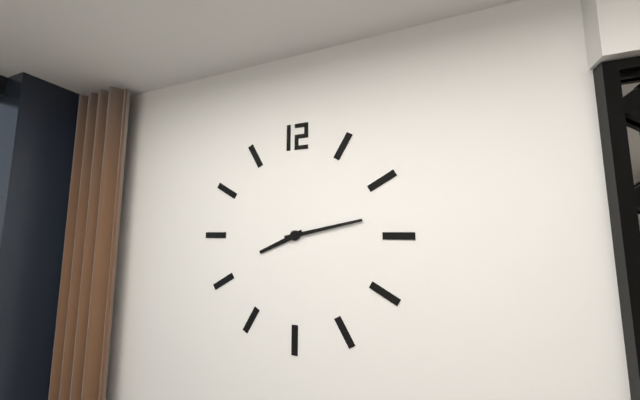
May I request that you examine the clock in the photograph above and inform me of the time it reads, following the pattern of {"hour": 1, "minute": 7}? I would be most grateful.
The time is {"hour": 8, "minute": 13}
